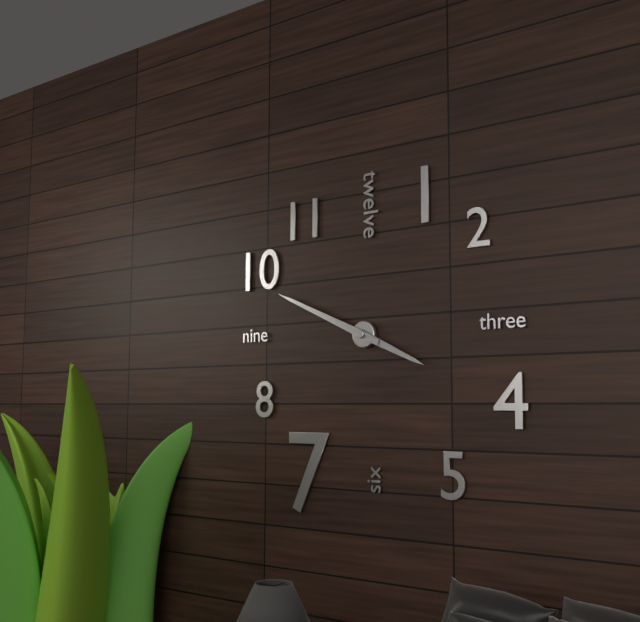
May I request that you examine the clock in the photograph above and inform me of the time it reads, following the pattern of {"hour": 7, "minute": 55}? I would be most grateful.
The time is {"hour": 3, "minute": 49}
